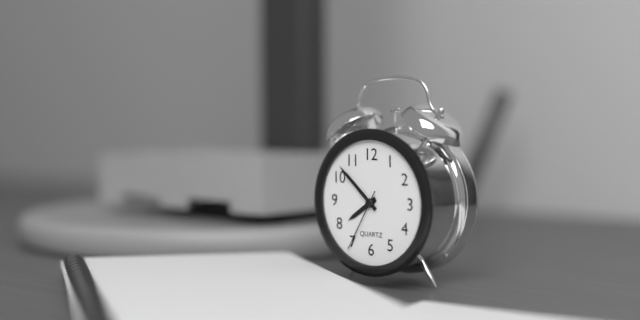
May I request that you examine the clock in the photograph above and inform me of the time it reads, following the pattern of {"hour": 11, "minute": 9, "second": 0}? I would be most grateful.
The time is {"hour": 7, "minute": 52, "second": 35}
